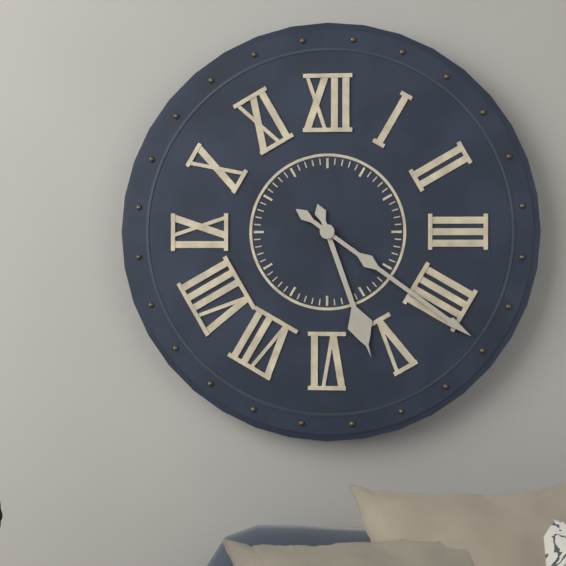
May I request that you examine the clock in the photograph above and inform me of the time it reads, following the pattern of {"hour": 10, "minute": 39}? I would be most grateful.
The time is {"hour": 5, "minute": 21}
